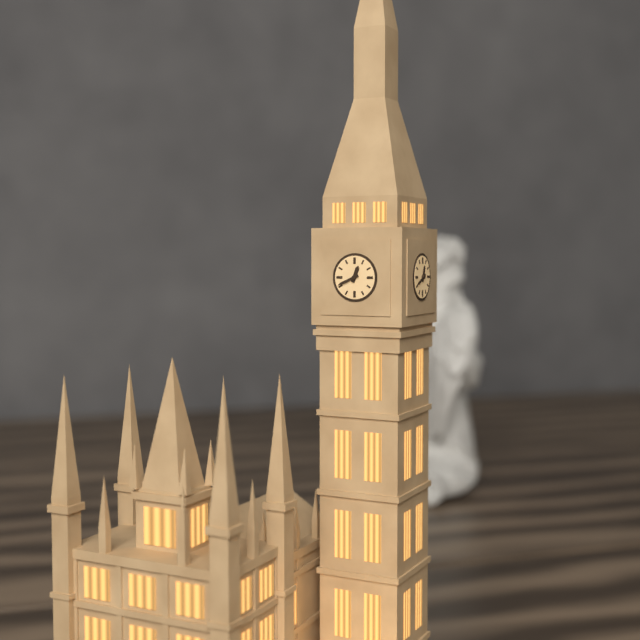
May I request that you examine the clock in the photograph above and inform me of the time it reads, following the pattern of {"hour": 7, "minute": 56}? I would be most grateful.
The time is {"hour": 12, "minute": 41}
